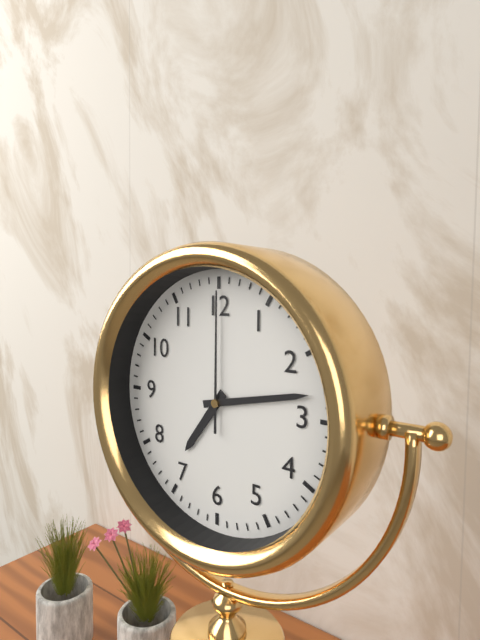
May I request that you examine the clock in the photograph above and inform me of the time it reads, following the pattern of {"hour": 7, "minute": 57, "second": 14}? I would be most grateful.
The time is {"hour": 7, "minute": 13, "second": 0}
